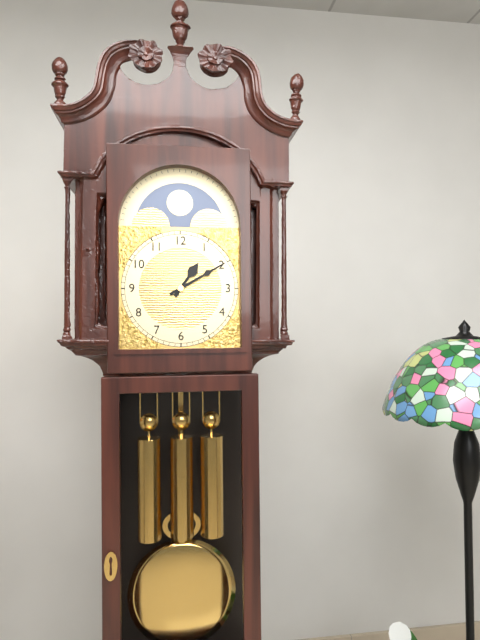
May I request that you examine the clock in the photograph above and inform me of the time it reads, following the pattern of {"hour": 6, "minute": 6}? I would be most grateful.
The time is {"hour": 1, "minute": 10}
